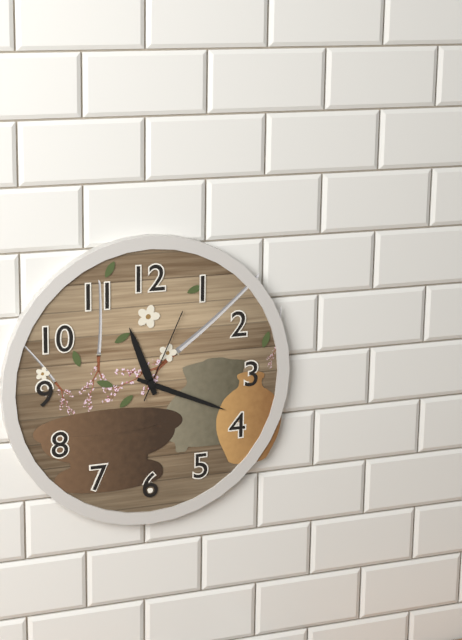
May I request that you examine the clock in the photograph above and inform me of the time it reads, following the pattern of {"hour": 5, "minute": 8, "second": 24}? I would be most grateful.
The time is {"hour": 11, "minute": 19, "second": 4}
